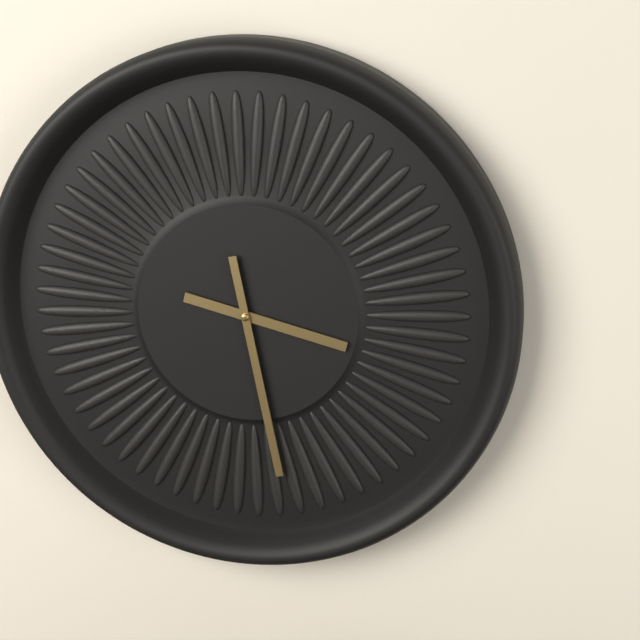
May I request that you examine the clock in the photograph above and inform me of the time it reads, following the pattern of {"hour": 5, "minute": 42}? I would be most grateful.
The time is {"hour": 3, "minute": 28}
